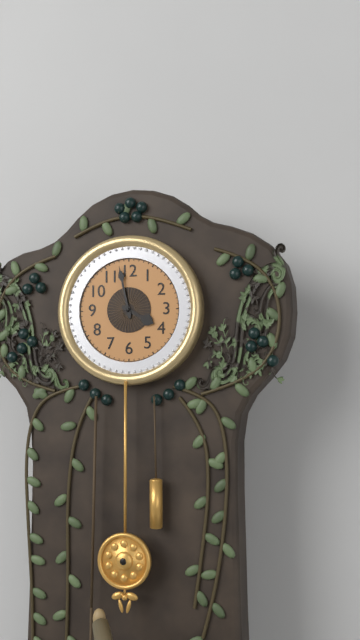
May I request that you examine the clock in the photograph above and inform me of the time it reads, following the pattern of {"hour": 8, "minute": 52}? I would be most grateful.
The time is {"hour": 3, "minute": 58}
